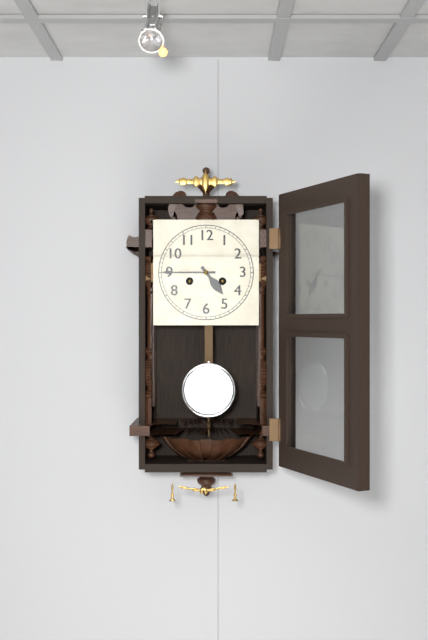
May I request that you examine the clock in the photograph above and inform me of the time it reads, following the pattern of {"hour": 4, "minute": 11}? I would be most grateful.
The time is {"hour": 4, "minute": 45}
